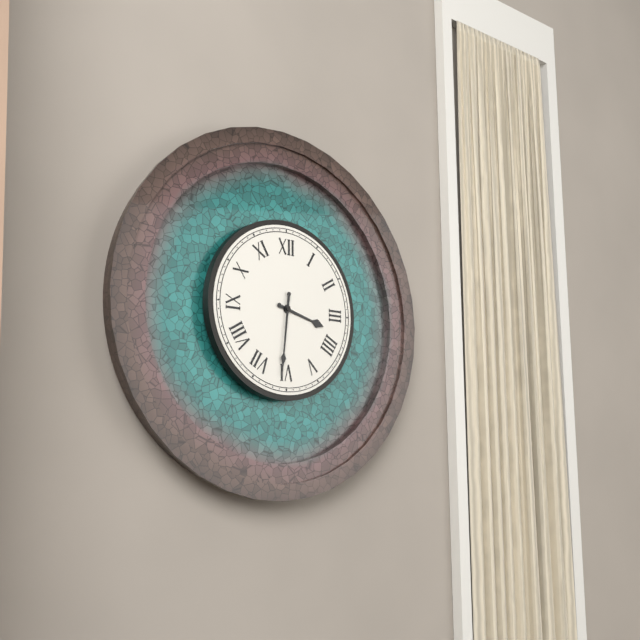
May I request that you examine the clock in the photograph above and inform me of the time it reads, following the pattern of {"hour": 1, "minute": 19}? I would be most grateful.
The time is {"hour": 3, "minute": 31}
